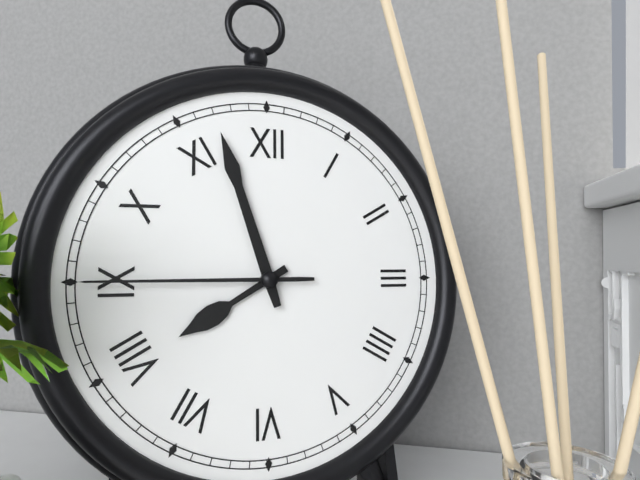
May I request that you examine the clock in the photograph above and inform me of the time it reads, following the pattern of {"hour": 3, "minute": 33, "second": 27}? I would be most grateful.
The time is {"hour": 7, "minute": 57, "second": 45}
